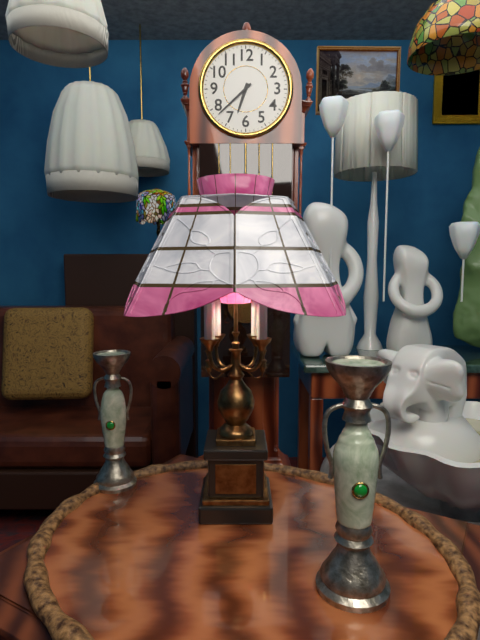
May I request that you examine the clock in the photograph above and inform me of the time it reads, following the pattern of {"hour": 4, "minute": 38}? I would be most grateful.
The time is {"hour": 6, "minute": 38}
